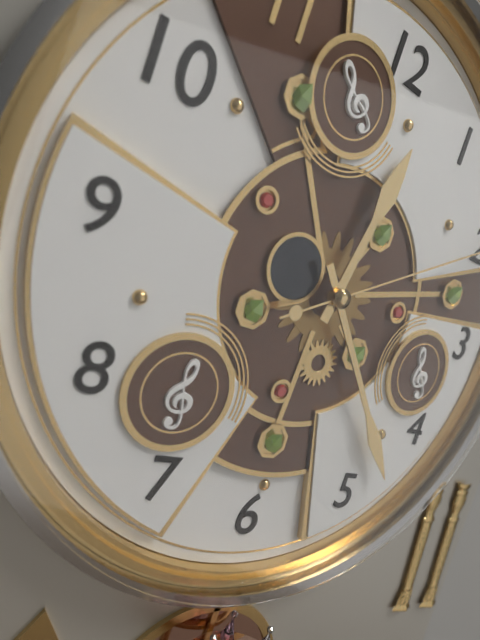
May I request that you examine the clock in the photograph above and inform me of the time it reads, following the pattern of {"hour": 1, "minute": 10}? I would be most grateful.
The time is {"hour": 12, "minute": 23}
